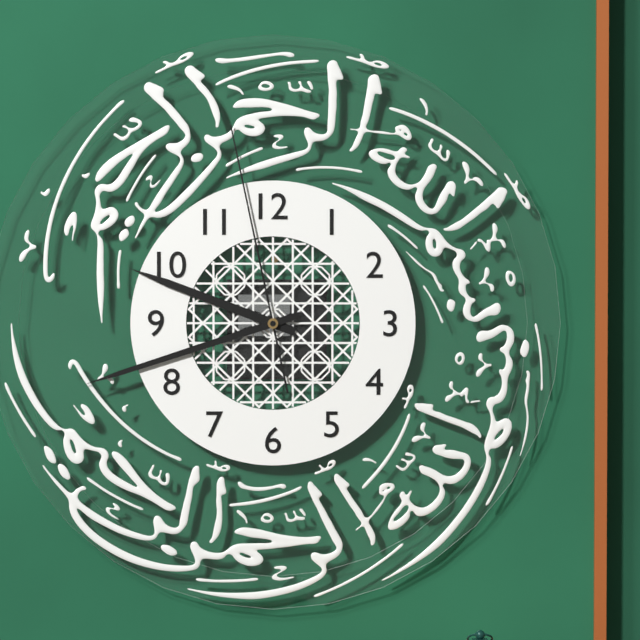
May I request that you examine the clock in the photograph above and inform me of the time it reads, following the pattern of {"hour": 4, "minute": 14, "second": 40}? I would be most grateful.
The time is {"hour": 9, "minute": 42, "second": 58}
